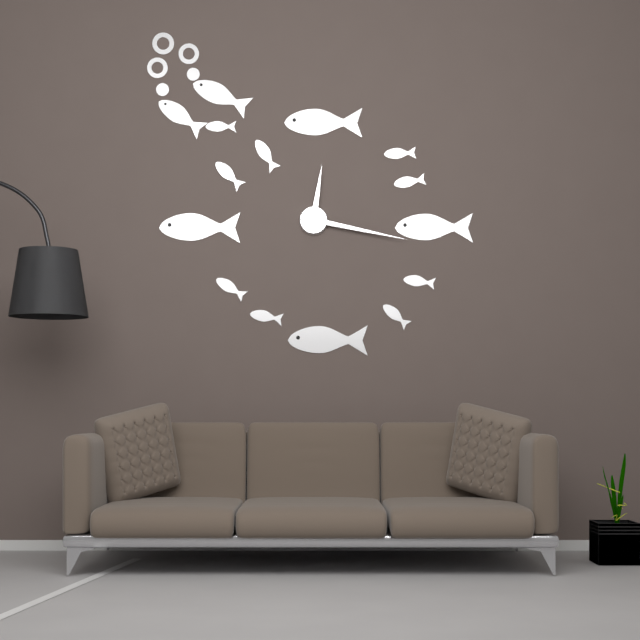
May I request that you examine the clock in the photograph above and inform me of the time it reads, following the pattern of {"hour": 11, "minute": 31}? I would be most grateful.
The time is {"hour": 12, "minute": 17}
